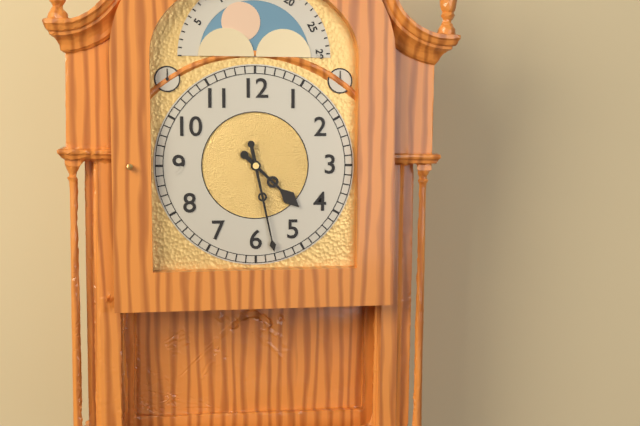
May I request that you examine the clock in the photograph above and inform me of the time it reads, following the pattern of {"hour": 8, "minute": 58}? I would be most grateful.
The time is {"hour": 4, "minute": 28}
